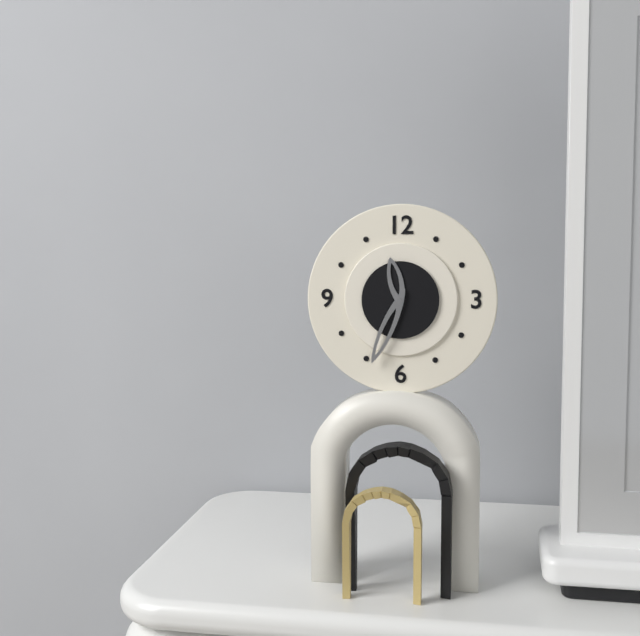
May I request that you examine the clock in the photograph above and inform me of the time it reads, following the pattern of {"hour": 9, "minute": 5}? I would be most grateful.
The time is {"hour": 11, "minute": 34}
